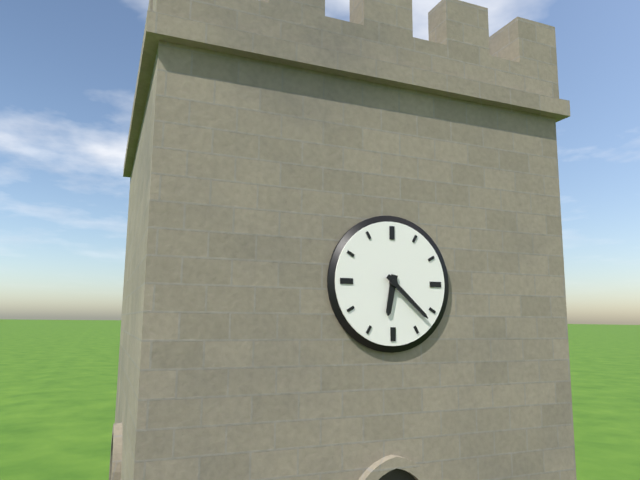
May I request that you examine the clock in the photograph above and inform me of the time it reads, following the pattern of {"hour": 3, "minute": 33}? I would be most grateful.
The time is {"hour": 6, "minute": 22}
